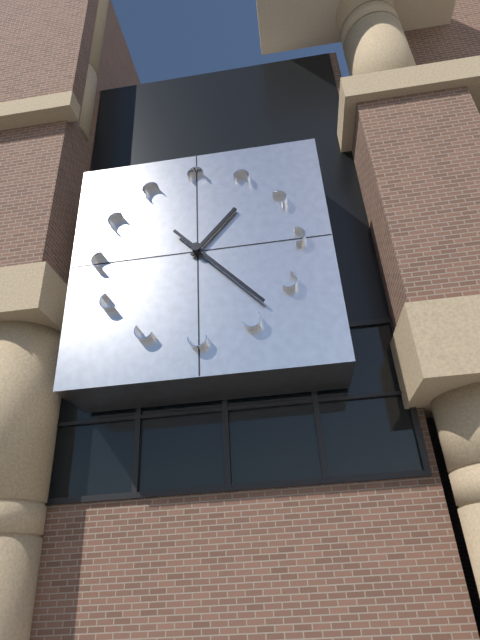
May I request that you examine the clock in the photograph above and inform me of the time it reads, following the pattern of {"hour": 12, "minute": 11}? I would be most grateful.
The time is {"hour": 1, "minute": 23}
